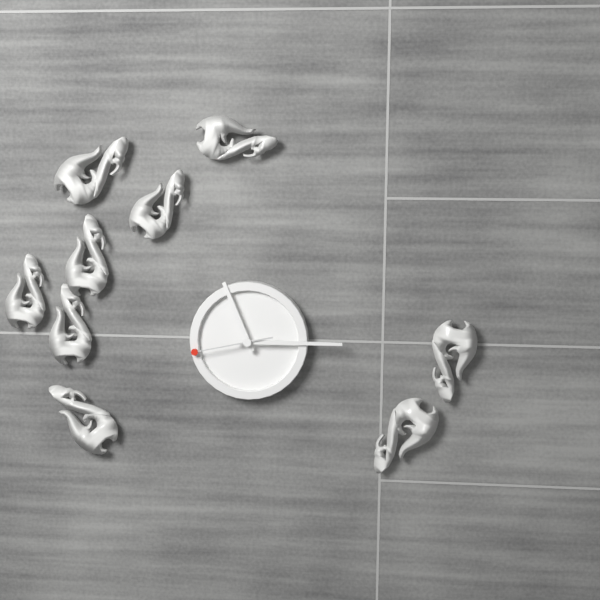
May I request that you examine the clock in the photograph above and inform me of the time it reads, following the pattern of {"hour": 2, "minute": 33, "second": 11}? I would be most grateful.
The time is {"hour": 11, "minute": 15, "second": 43}
